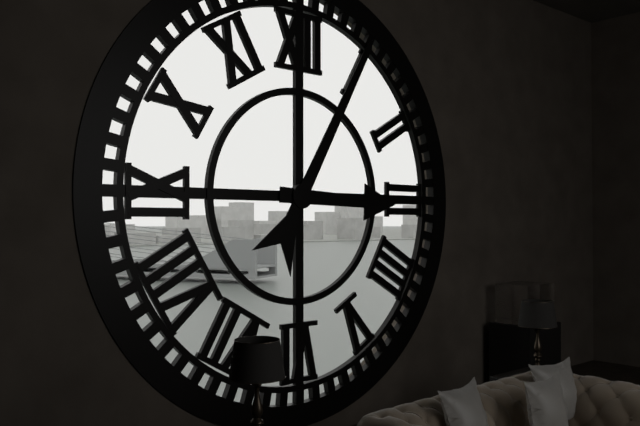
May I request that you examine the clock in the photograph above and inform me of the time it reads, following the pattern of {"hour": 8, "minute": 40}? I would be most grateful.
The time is {"hour": 3, "minute": 5}
